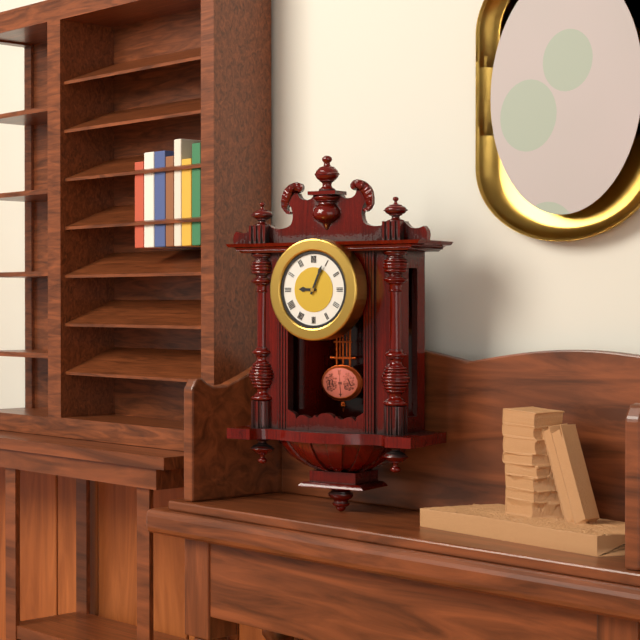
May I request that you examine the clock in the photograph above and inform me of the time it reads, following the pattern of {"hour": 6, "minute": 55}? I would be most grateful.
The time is {"hour": 9, "minute": 4}
